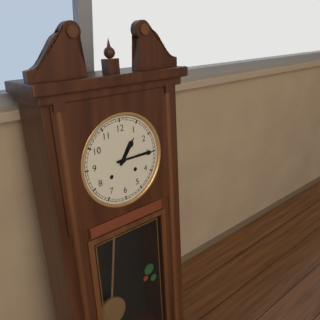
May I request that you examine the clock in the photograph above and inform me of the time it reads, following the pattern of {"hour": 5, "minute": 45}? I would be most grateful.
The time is {"hour": 1, "minute": 15}
